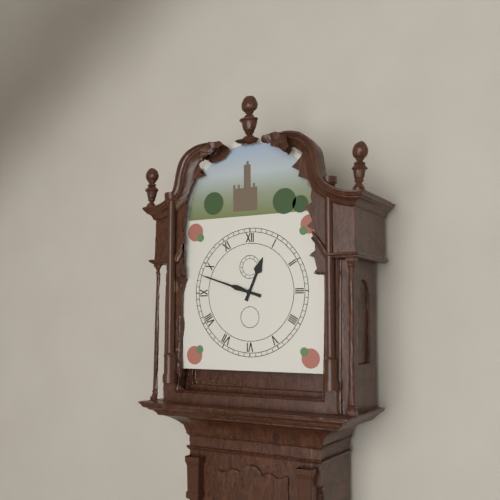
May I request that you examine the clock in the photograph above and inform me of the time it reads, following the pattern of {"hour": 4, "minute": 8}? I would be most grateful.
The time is {"hour": 12, "minute": 48}
